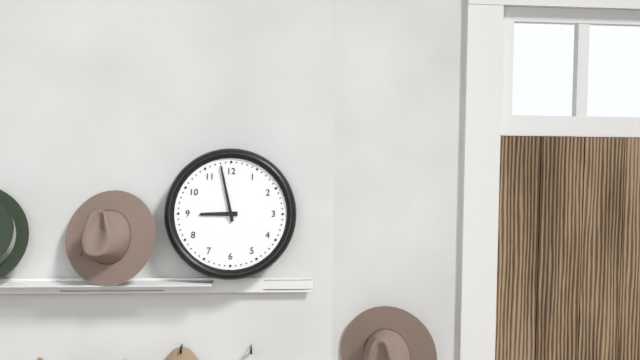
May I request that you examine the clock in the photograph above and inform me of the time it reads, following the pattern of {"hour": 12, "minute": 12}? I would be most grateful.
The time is {"hour": 8, "minute": 58}
